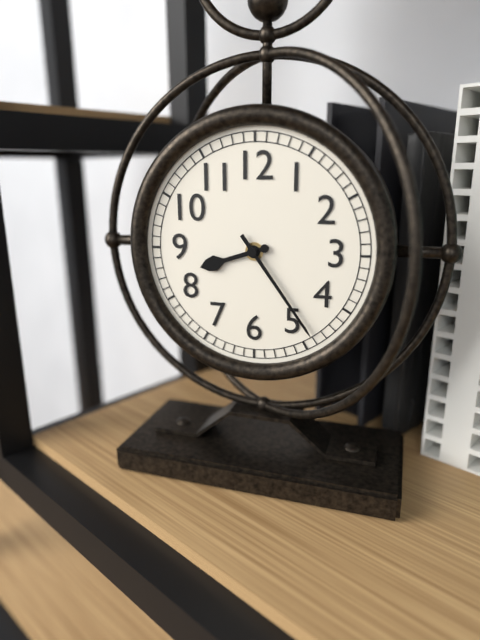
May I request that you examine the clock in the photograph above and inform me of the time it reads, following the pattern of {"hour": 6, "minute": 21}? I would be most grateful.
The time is {"hour": 8, "minute": 24}
